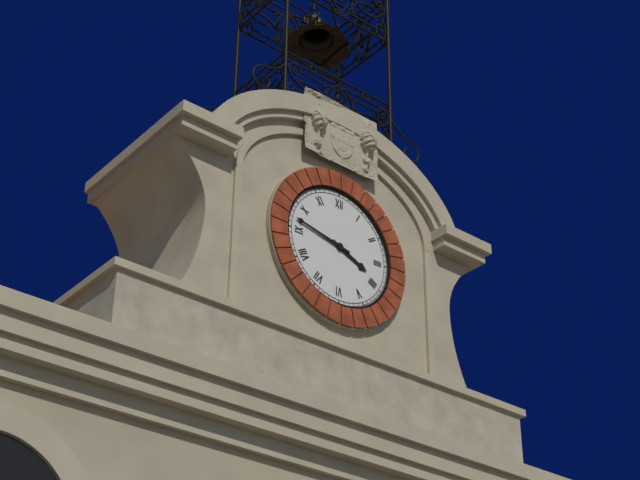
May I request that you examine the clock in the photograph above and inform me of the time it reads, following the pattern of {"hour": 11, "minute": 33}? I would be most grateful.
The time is {"hour": 3, "minute": 47}
